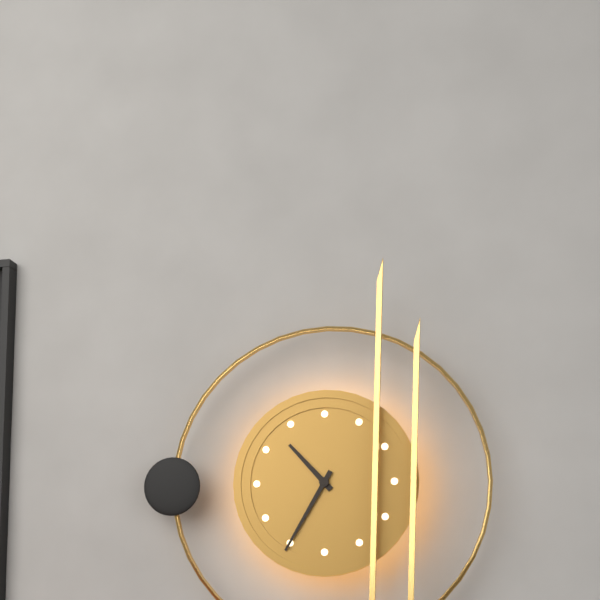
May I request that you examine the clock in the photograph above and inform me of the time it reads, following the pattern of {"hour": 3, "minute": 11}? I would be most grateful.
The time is {"hour": 10, "minute": 35}
